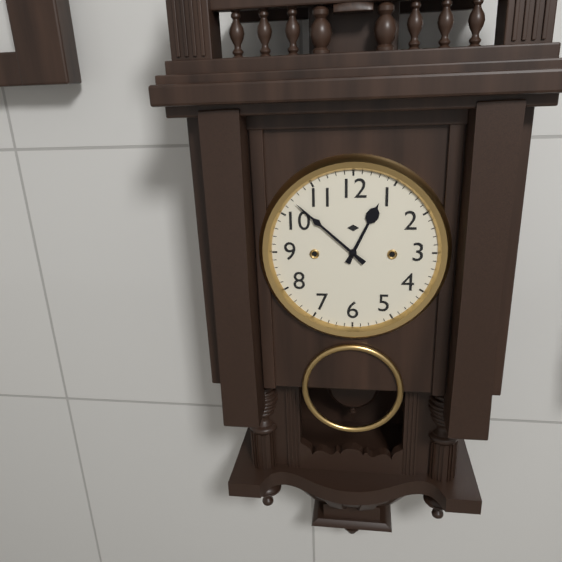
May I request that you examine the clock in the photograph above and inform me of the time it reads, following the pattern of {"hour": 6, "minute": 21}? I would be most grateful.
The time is {"hour": 12, "minute": 52}
